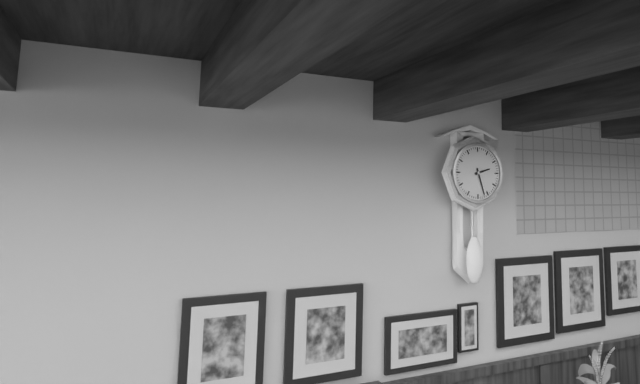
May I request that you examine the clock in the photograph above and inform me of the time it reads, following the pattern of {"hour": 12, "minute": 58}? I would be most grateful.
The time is {"hour": 2, "minute": 27}
